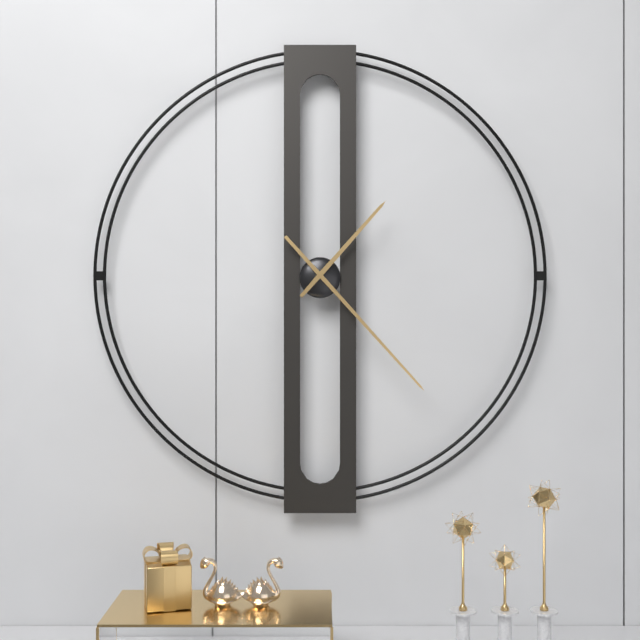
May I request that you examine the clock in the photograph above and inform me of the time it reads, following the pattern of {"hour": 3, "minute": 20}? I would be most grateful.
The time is {"hour": 1, "minute": 23}
